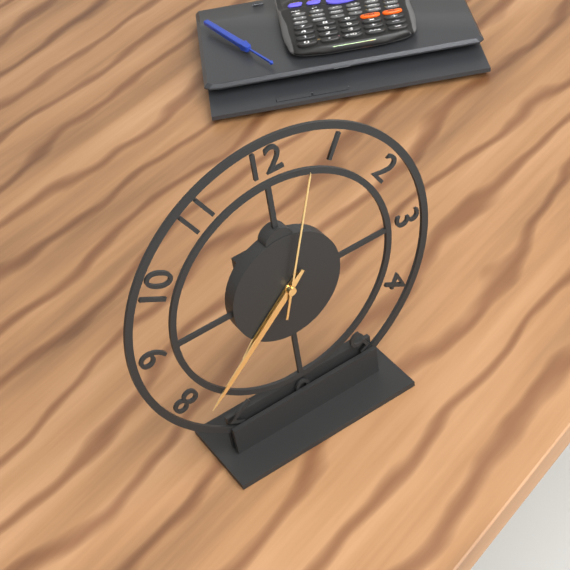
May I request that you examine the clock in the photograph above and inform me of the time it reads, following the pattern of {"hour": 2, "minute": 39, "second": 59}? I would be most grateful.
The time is {"hour": 7, "minute": 38, "second": 3}
